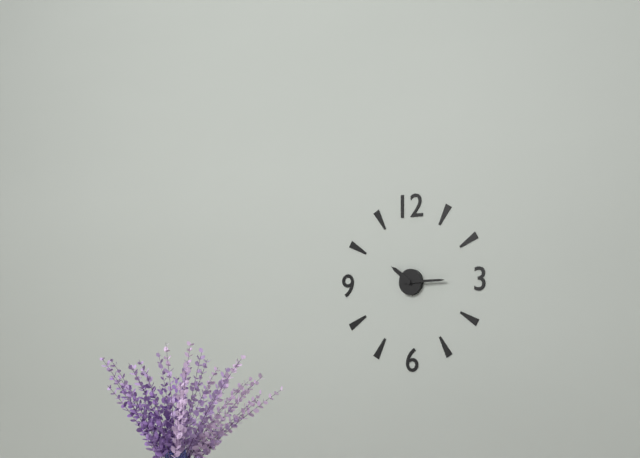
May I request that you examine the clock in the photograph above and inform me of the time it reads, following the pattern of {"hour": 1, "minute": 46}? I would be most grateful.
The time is {"hour": 10, "minute": 15}
